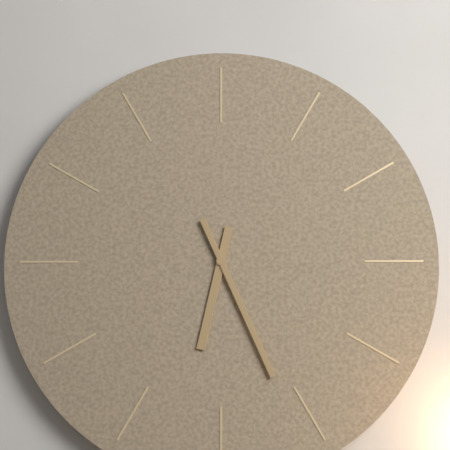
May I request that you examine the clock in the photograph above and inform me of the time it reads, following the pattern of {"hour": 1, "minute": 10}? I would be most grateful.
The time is {"hour": 6, "minute": 26}
